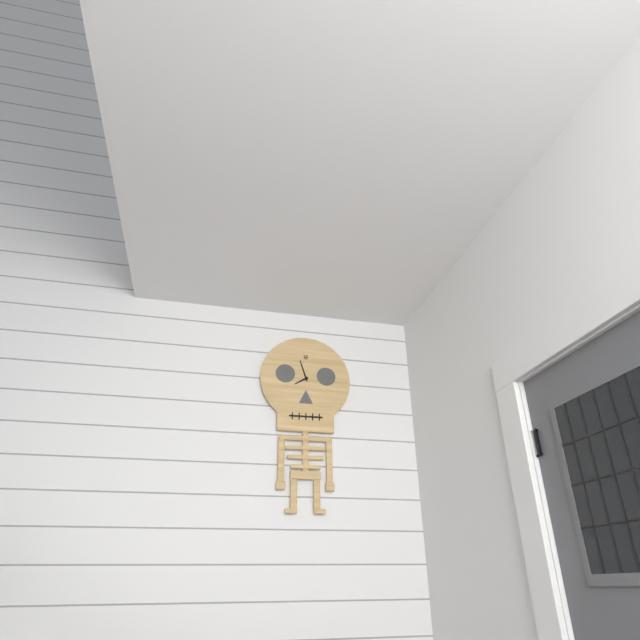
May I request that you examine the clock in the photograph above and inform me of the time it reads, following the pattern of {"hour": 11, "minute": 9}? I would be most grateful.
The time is {"hour": 7, "minute": 57}
